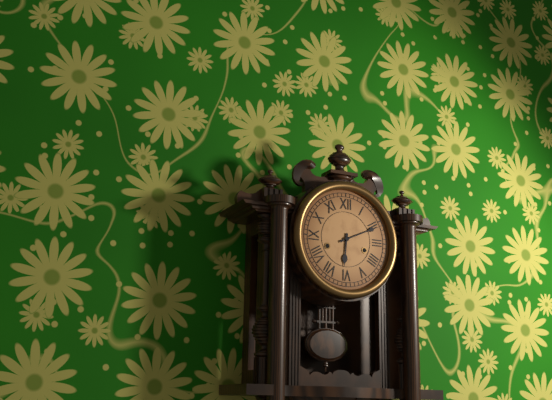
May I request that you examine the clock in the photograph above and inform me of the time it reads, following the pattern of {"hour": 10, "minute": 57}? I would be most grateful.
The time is {"hour": 6, "minute": 11}
